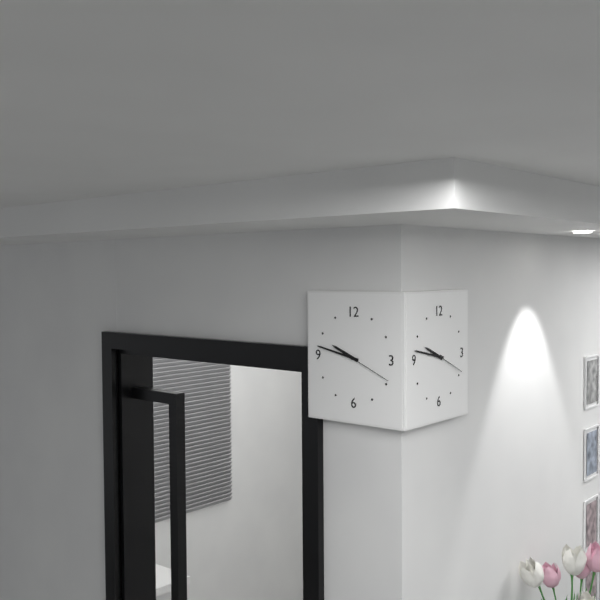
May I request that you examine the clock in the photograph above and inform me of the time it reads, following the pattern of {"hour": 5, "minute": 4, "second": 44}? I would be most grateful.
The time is {"hour": 9, "minute": 47, "second": 19}
